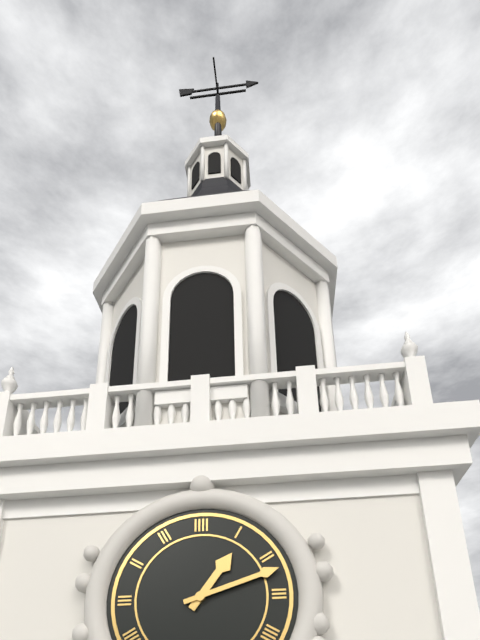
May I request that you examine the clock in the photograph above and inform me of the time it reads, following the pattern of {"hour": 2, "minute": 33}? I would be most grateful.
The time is {"hour": 1, "minute": 12}
